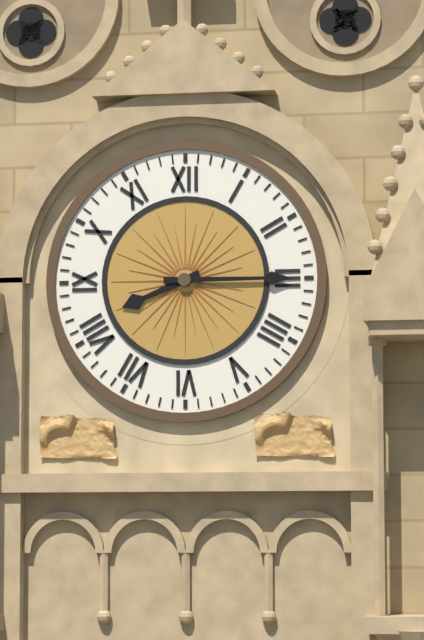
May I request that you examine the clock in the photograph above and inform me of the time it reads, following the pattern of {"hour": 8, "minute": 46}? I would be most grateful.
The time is {"hour": 8, "minute": 15}
